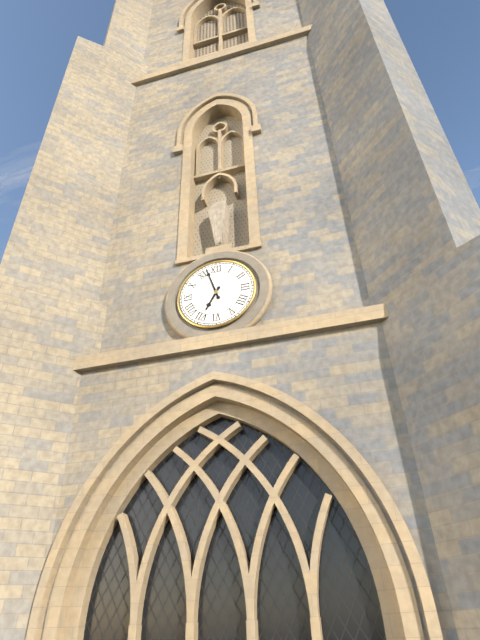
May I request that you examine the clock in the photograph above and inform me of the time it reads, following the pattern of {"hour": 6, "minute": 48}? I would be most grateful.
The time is {"hour": 6, "minute": 57}
